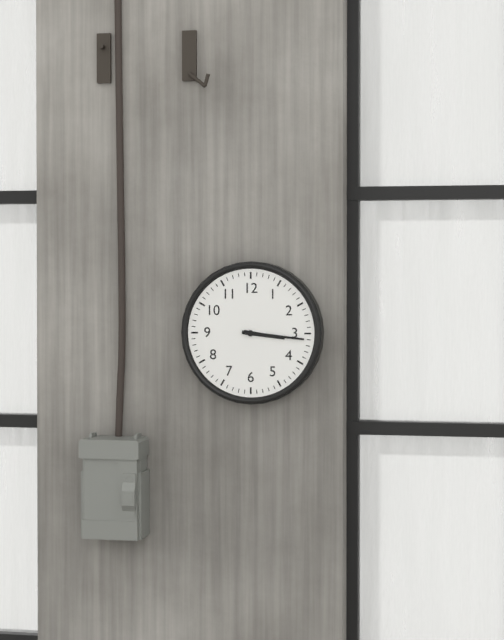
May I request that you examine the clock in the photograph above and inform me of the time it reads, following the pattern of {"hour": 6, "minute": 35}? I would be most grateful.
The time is {"hour": 3, "minute": 16}
